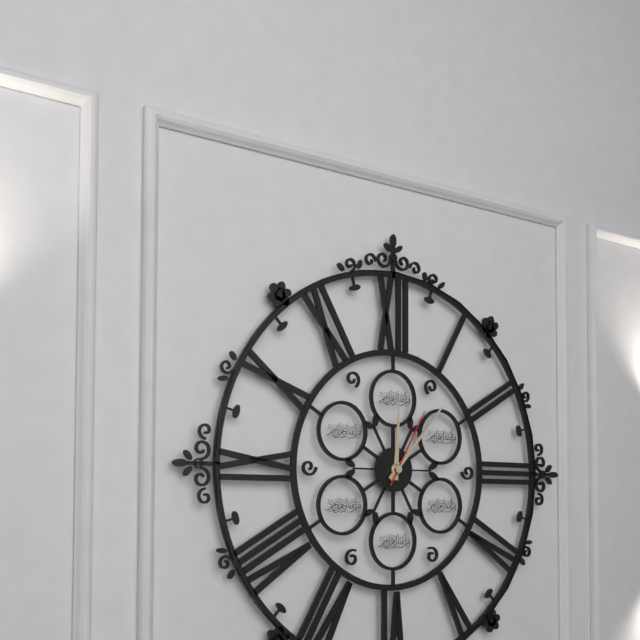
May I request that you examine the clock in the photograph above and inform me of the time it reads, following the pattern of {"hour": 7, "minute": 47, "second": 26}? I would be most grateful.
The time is {"hour": 12, "minute": 7, "second": 5}
